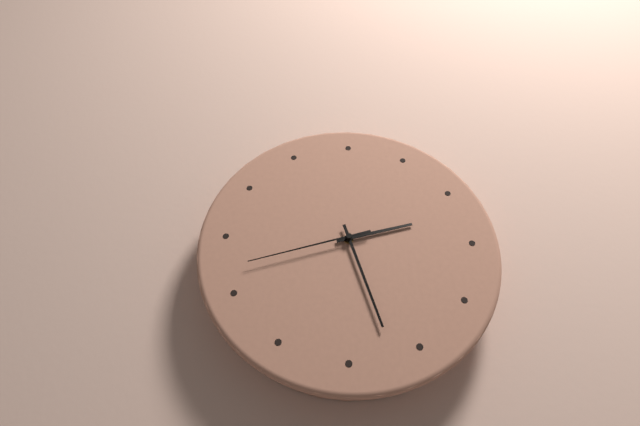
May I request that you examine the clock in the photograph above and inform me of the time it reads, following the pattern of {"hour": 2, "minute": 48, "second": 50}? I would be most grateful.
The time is {"hour": 2, "minute": 27, "second": 42}
